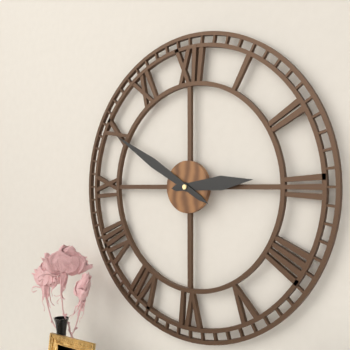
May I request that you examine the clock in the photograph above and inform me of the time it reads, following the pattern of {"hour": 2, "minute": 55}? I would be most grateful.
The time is {"hour": 2, "minute": 50}
